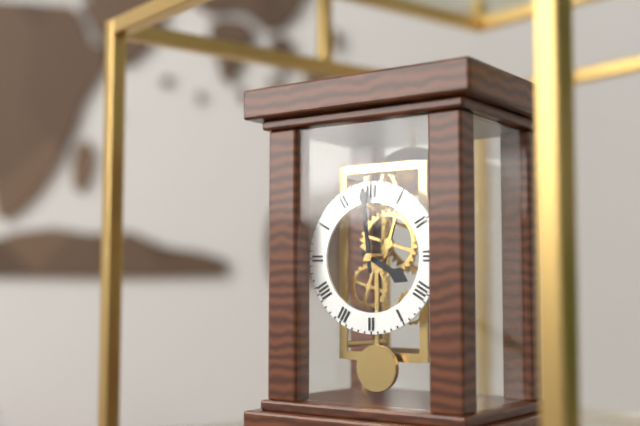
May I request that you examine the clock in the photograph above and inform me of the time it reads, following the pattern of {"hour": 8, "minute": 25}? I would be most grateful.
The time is {"hour": 3, "minute": 59}
